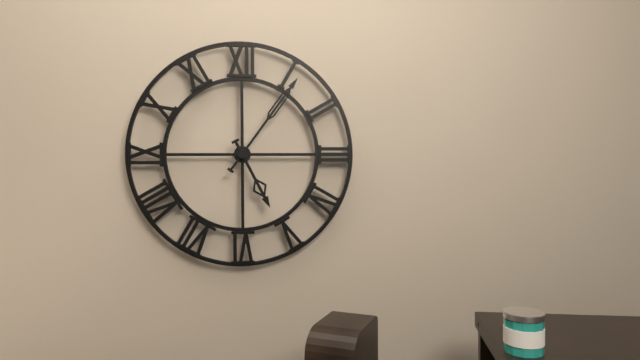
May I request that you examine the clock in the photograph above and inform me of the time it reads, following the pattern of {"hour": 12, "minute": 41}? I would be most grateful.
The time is {"hour": 5, "minute": 6}
